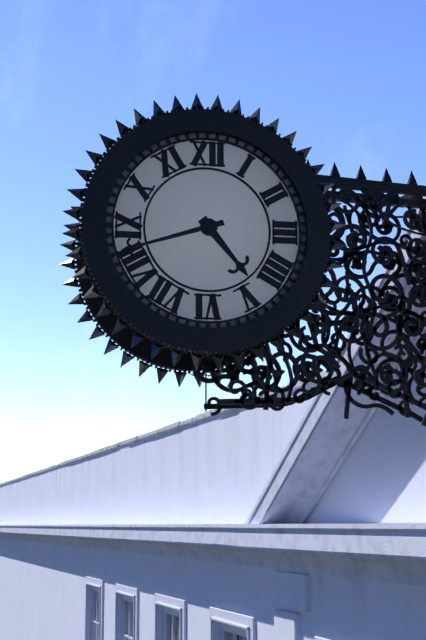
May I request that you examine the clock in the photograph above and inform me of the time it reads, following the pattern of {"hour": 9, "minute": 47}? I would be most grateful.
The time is {"hour": 4, "minute": 42}
